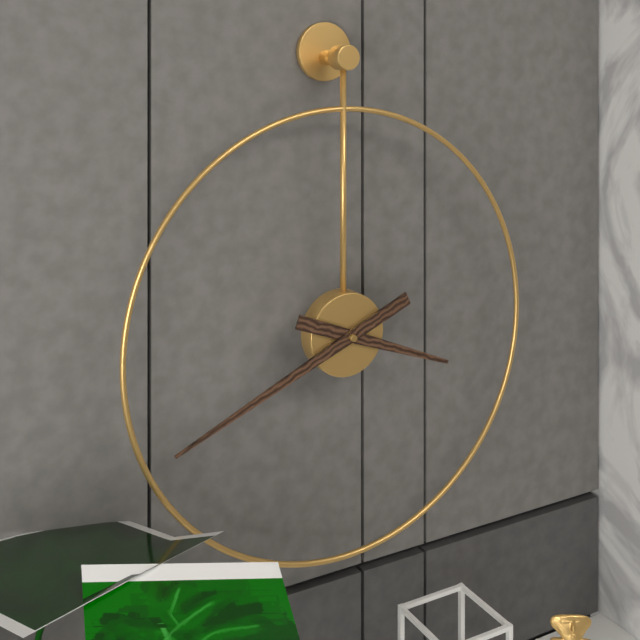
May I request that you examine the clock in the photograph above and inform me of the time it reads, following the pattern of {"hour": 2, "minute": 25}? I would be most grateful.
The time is {"hour": 3, "minute": 41}
